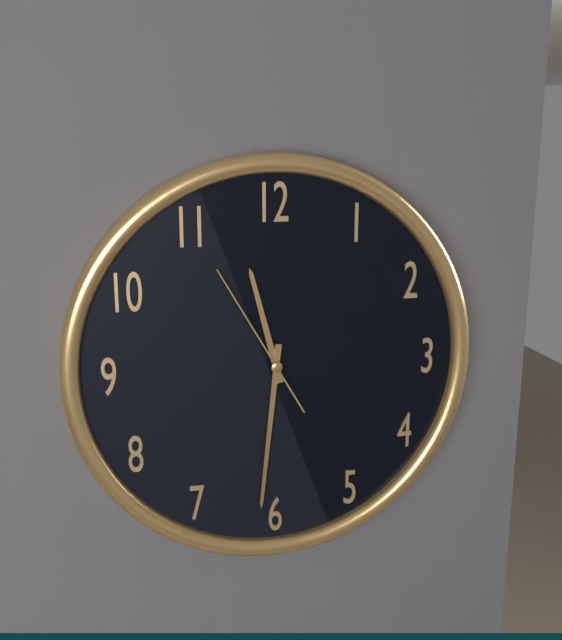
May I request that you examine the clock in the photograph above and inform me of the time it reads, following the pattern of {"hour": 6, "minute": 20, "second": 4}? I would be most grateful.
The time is {"hour": 11, "minute": 31, "second": 55}
